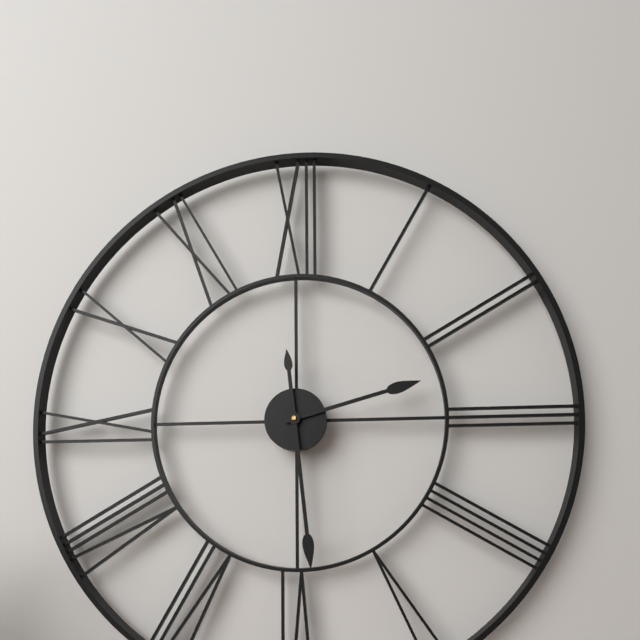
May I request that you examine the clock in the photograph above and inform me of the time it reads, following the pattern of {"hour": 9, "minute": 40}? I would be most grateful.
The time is {"hour": 2, "minute": 29}
